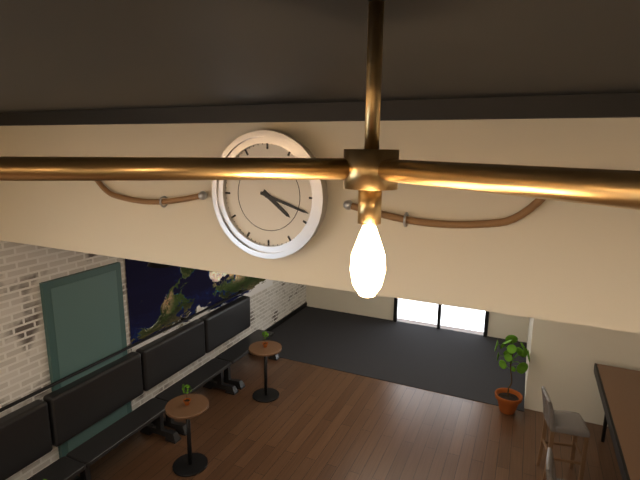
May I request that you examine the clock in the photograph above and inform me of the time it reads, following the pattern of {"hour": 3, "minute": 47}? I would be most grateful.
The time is {"hour": 4, "minute": 18}
